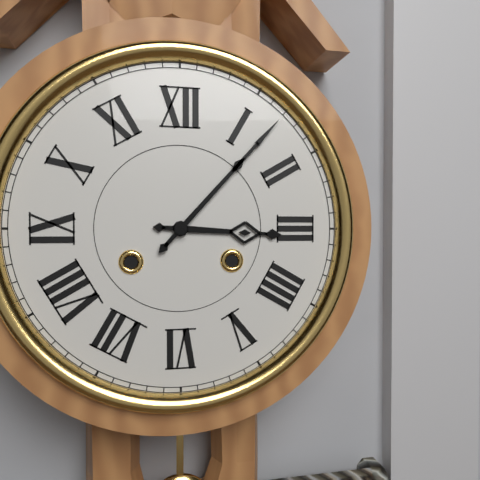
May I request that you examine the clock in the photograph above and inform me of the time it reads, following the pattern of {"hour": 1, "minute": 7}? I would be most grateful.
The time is {"hour": 3, "minute": 7}
